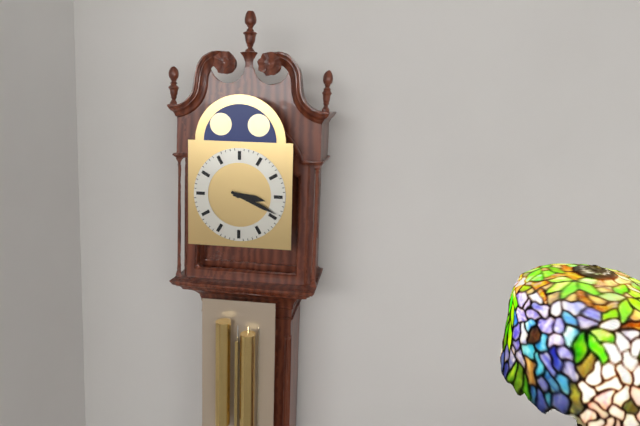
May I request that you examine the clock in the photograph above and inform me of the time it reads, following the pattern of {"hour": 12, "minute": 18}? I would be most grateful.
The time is {"hour": 3, "minute": 19}
